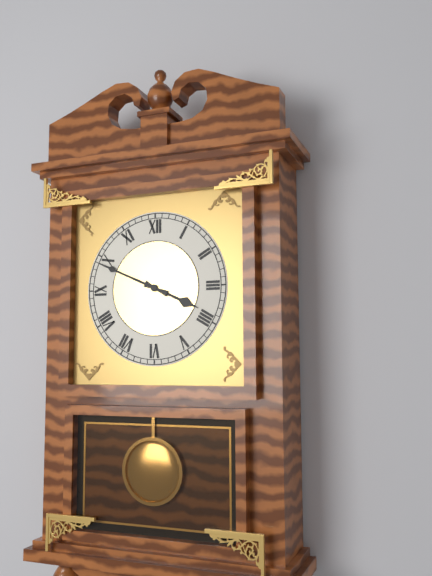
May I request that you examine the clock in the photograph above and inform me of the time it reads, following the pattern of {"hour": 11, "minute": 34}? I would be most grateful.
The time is {"hour": 3, "minute": 49}
